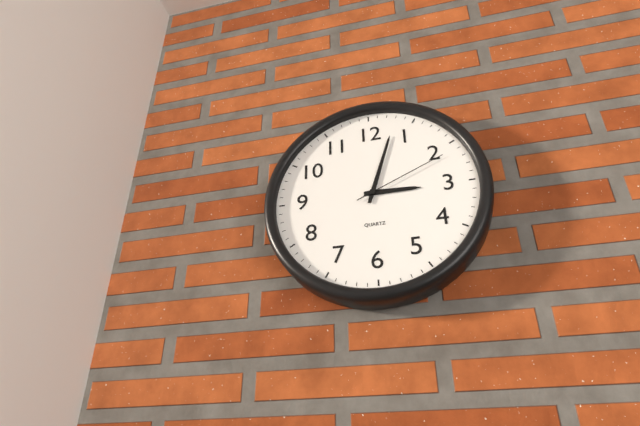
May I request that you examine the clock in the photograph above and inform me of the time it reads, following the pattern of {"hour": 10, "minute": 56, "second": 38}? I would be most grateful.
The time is {"hour": 3, "minute": 3, "second": 11}
